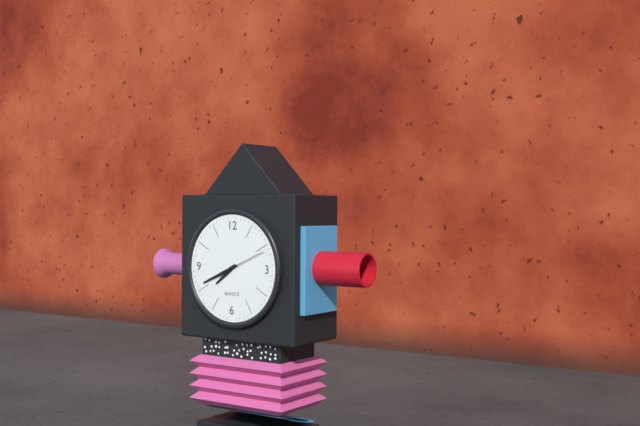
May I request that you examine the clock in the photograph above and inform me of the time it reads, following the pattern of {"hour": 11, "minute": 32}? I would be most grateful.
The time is {"hour": 7, "minute": 41}
